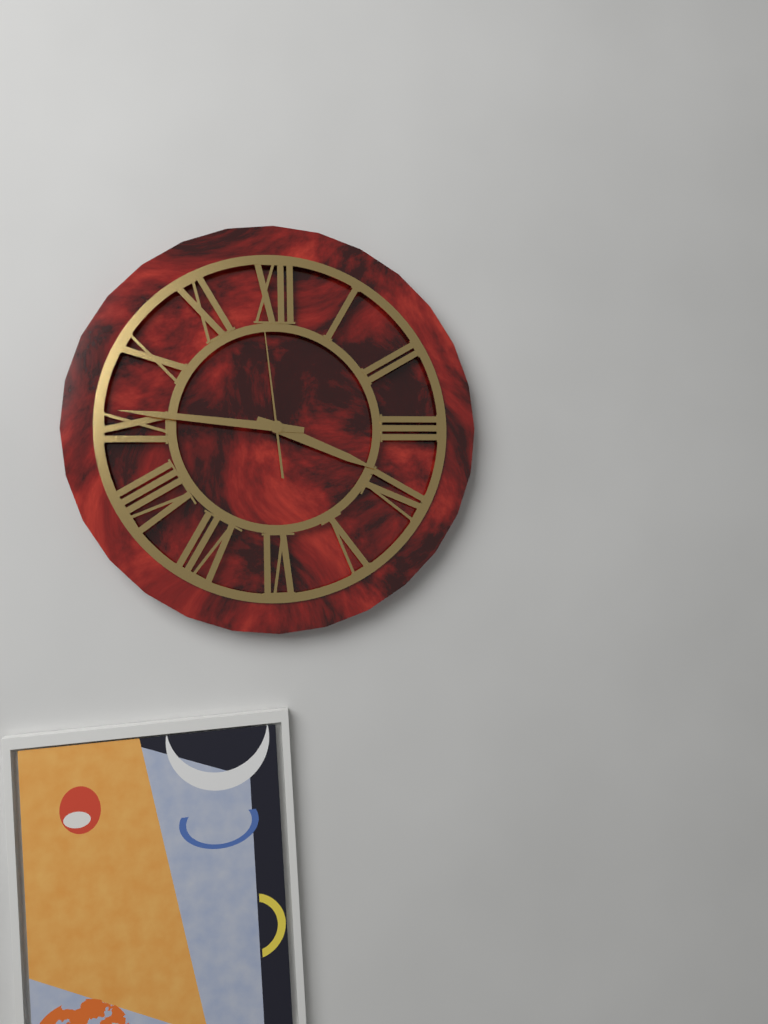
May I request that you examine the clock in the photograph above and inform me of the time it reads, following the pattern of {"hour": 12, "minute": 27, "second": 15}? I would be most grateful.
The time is {"hour": 3, "minute": 46, "second": 59}
